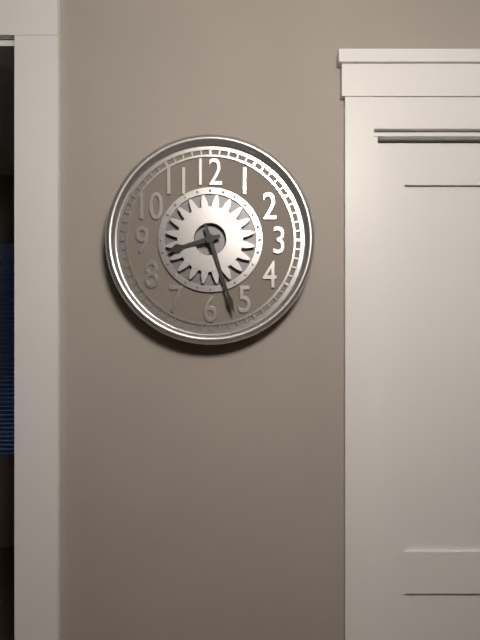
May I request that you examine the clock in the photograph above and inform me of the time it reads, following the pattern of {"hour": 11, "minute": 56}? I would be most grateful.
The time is {"hour": 8, "minute": 27}
